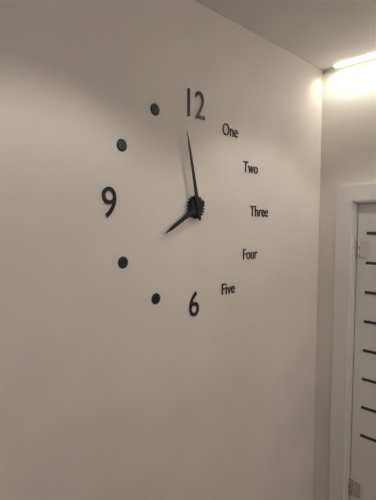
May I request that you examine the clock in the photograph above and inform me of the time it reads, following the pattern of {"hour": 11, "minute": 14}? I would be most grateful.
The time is {"hour": 7, "minute": 58}
